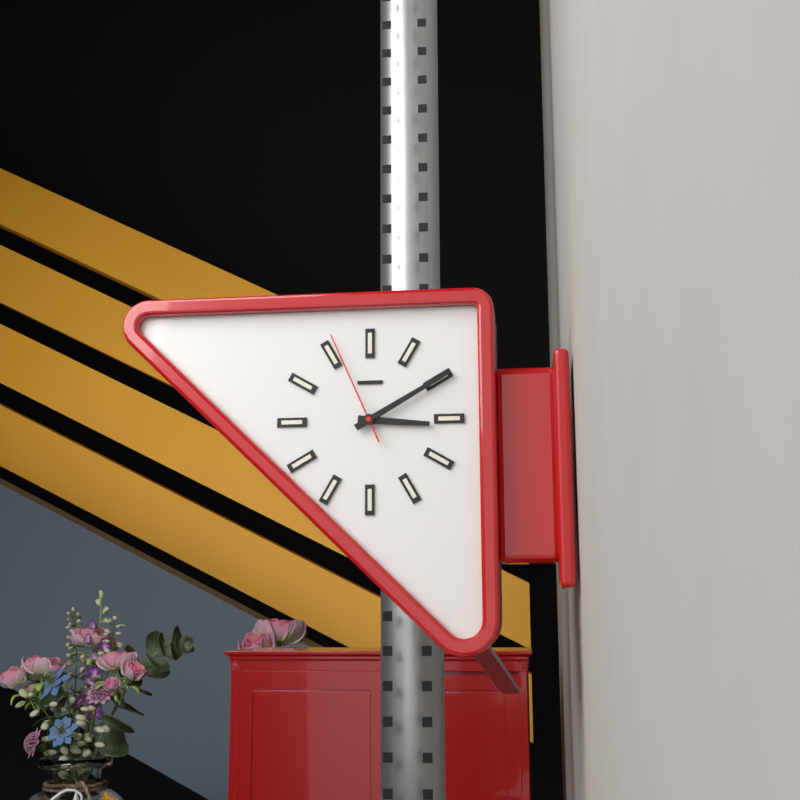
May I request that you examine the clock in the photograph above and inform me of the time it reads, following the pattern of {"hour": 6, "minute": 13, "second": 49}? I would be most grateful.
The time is {"hour": 3, "minute": 10, "second": 56}
